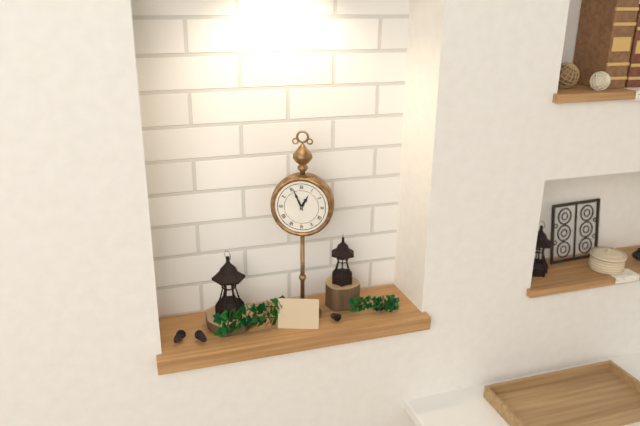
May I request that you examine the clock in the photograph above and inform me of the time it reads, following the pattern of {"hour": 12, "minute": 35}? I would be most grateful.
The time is {"hour": 12, "minute": 56}
